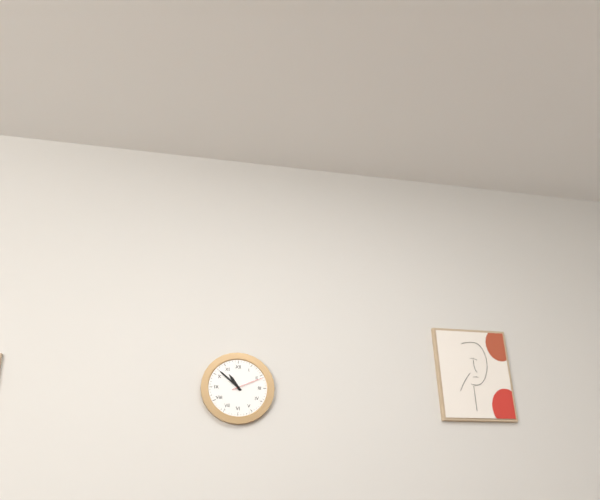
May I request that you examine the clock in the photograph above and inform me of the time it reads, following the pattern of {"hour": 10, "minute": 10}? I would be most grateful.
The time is {"hour": 10, "minute": 52}
